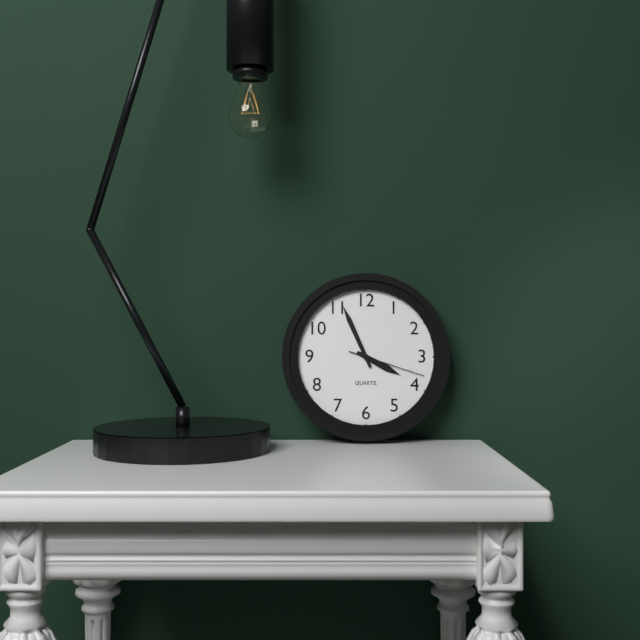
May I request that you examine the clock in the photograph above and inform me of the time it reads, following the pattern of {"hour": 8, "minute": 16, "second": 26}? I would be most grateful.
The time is {"hour": 3, "minute": 56, "second": 18}
